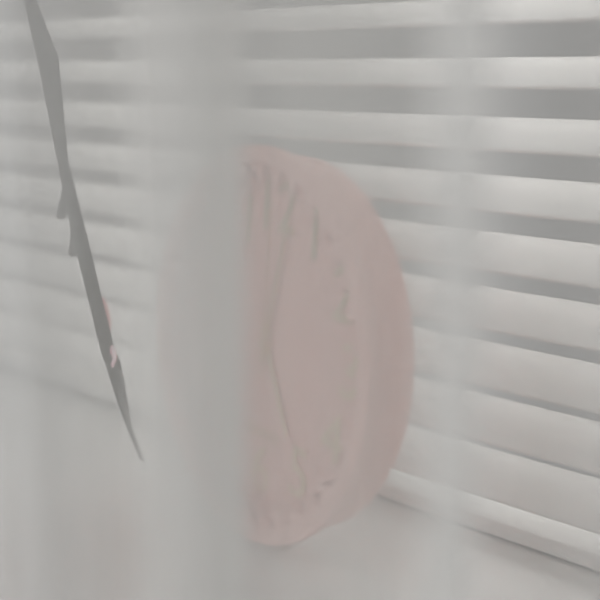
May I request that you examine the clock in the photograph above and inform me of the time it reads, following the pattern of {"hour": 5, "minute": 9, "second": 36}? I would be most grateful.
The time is {"hour": 5, "minute": 2, "second": 0}
